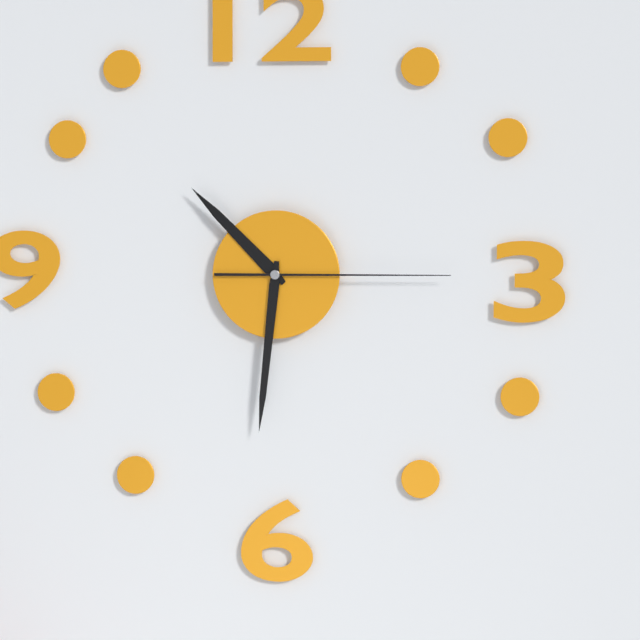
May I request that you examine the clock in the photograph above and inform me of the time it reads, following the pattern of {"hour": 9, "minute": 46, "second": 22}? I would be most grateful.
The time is {"hour": 10, "minute": 31, "second": 15}
